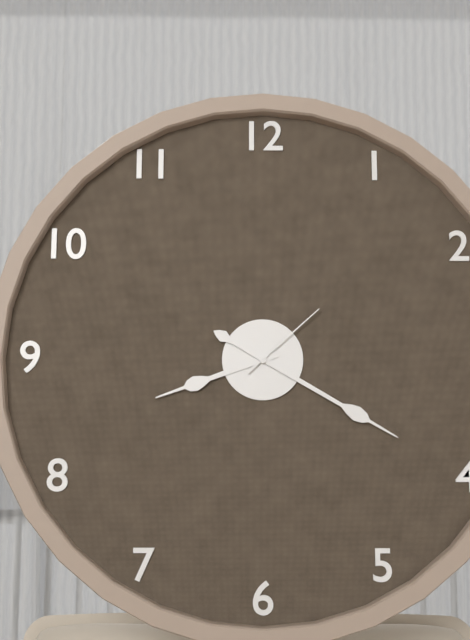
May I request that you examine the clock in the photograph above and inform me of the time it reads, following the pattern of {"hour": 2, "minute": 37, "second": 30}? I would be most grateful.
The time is {"hour": 8, "minute": 20, "second": 8}
